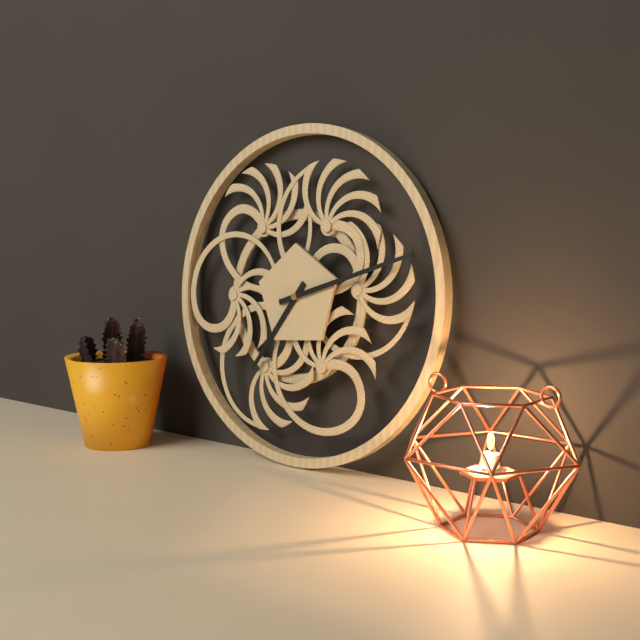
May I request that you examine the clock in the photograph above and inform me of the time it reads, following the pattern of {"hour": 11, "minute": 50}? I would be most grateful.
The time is {"hour": 7, "minute": 12}
